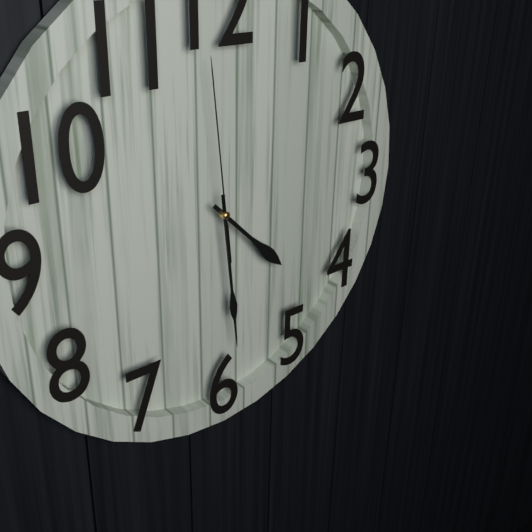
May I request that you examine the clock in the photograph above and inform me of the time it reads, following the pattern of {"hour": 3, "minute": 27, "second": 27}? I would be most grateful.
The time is {"hour": 4, "minute": 29, "second": 59}
